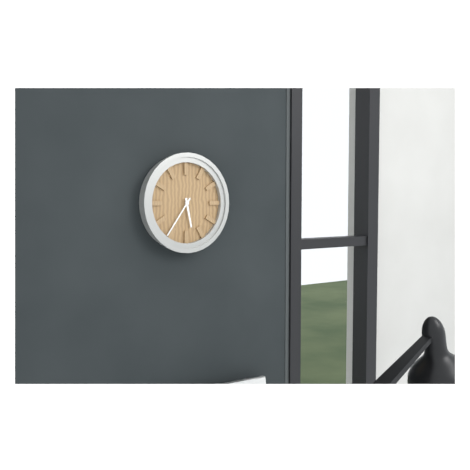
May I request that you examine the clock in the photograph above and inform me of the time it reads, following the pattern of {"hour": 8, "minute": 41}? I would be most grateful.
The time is {"hour": 5, "minute": 36}
